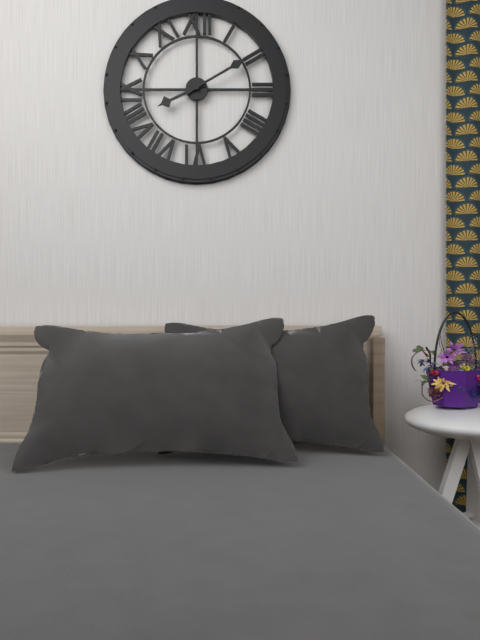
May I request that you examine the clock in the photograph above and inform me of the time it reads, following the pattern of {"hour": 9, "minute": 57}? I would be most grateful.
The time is {"hour": 8, "minute": 10}
